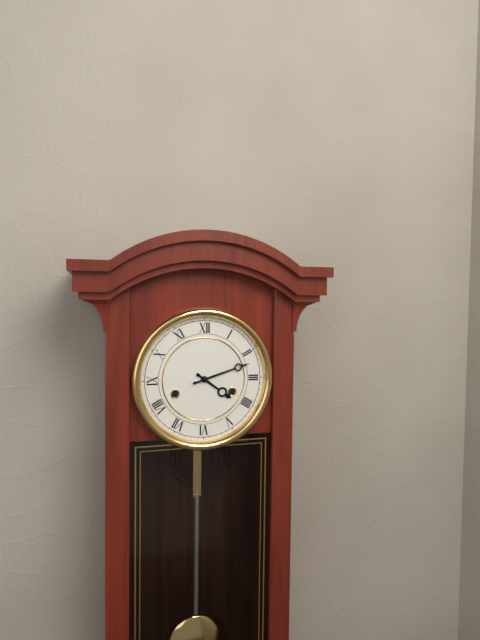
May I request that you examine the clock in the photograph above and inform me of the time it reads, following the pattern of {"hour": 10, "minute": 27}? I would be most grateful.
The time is {"hour": 4, "minute": 12}
